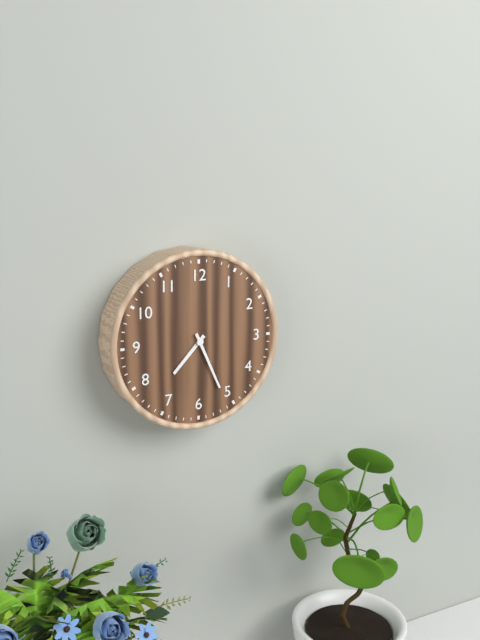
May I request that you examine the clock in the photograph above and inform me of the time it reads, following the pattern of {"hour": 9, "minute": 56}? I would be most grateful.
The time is {"hour": 7, "minute": 26}
